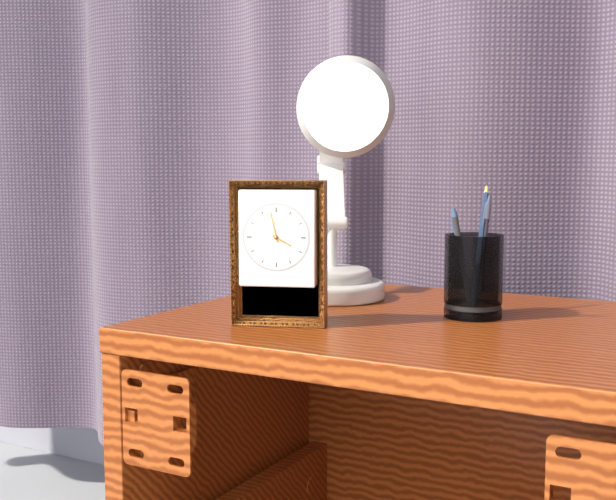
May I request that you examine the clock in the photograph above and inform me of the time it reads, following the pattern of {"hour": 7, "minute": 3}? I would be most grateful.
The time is {"hour": 3, "minute": 58}
